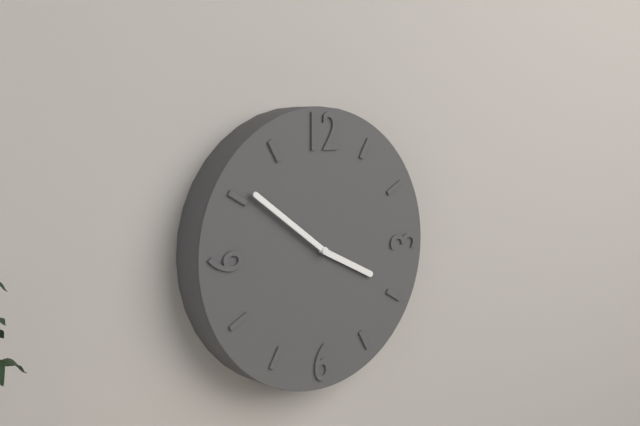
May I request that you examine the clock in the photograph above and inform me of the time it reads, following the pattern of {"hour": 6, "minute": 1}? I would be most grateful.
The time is {"hour": 3, "minute": 51}
